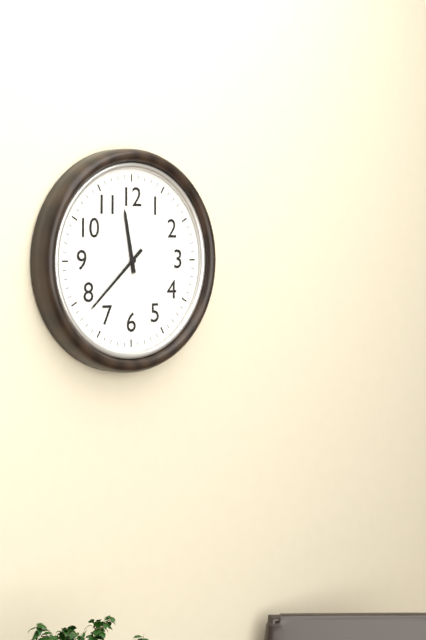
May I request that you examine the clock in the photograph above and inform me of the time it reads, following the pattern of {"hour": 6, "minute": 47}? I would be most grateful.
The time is {"hour": 11, "minute": 38}
